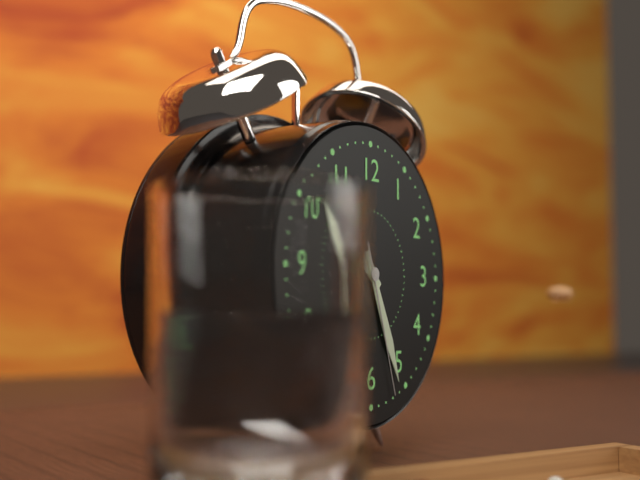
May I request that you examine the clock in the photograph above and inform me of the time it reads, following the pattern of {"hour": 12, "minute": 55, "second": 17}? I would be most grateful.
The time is {"hour": 10, "minute": 26, "second": 27}
